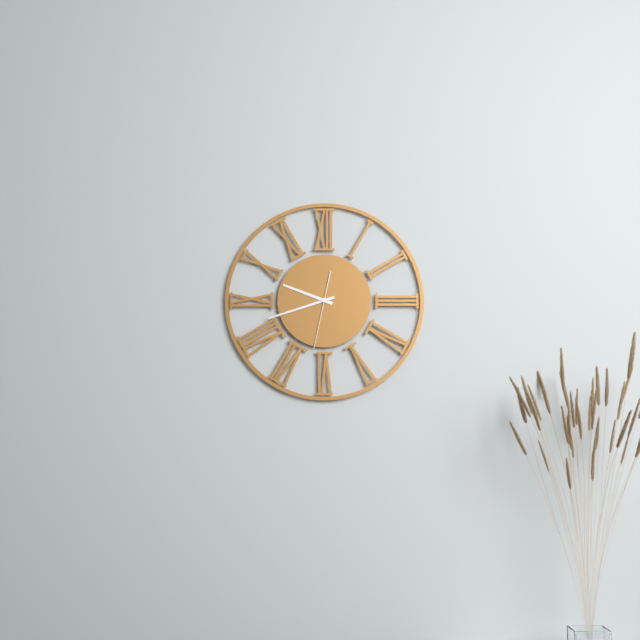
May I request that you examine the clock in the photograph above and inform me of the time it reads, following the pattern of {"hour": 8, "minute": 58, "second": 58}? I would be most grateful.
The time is {"hour": 9, "minute": 42, "second": 32}
